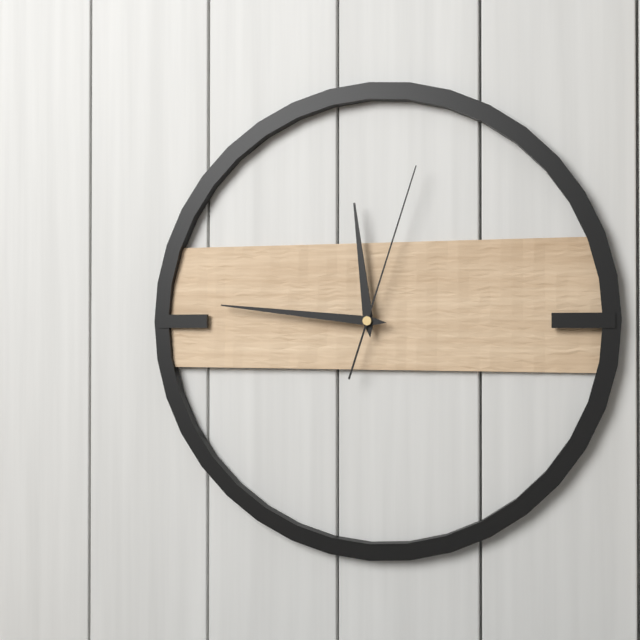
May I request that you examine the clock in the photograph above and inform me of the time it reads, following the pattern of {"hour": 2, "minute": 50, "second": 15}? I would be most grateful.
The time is {"hour": 11, "minute": 46, "second": 3}
